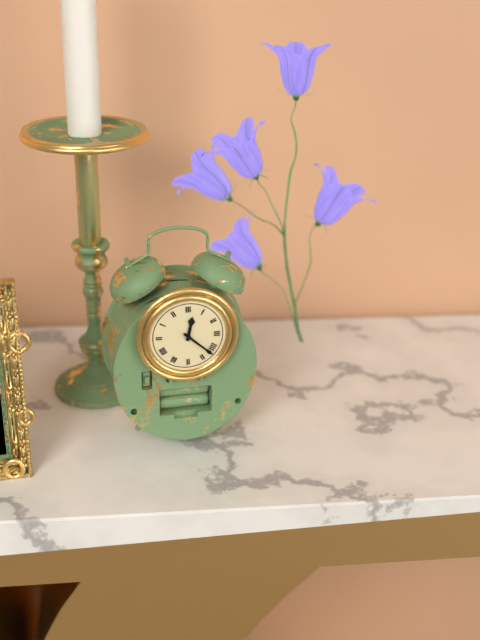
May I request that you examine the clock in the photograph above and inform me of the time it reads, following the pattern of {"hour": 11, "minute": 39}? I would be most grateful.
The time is {"hour": 12, "minute": 22}
